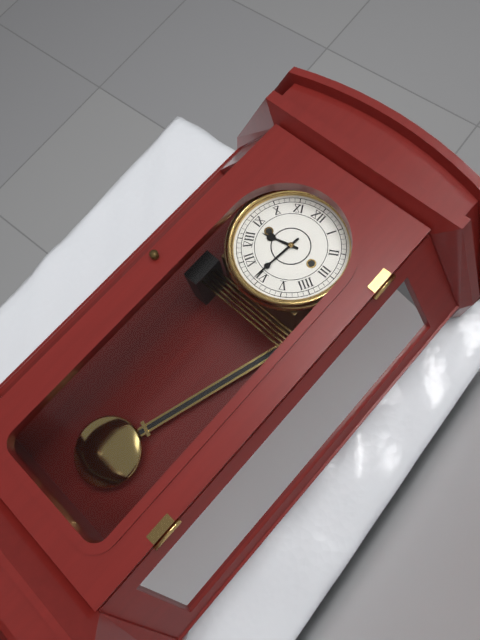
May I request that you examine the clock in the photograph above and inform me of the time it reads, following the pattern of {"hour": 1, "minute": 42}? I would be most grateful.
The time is {"hour": 8, "minute": 31}
